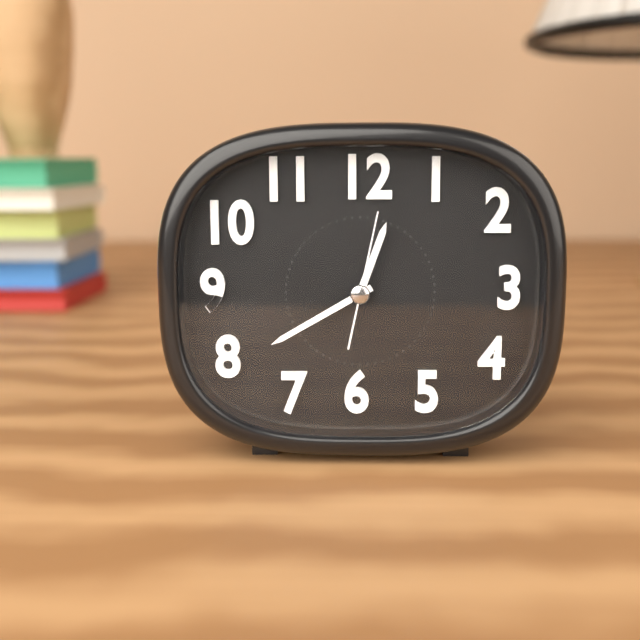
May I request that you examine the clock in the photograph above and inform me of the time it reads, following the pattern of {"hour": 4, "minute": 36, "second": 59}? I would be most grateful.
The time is {"hour": 12, "minute": 40, "second": 2}
